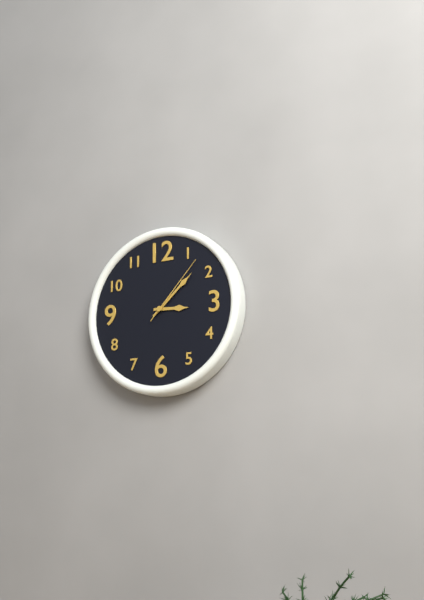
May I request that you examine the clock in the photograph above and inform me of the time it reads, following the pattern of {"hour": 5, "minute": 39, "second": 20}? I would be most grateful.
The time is {"hour": 3, "minute": 8, "second": 7}
